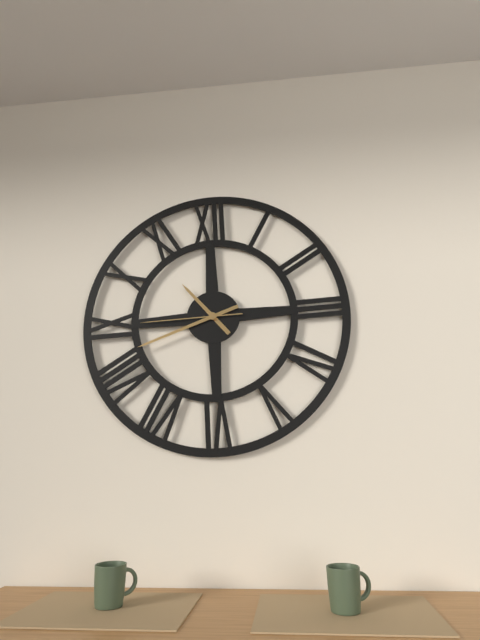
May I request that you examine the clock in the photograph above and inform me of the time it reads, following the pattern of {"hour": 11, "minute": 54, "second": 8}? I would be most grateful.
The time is {"hour": 10, "minute": 42, "second": 45}
